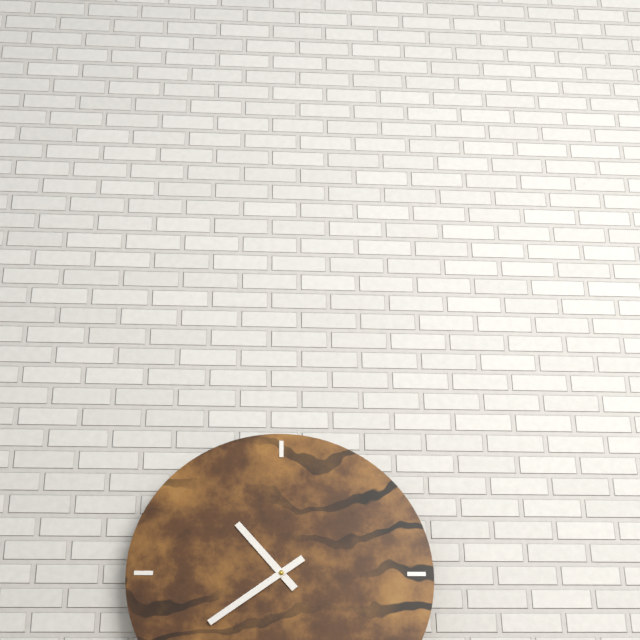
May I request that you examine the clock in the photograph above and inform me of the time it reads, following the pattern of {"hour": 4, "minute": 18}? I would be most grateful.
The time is {"hour": 10, "minute": 39}
